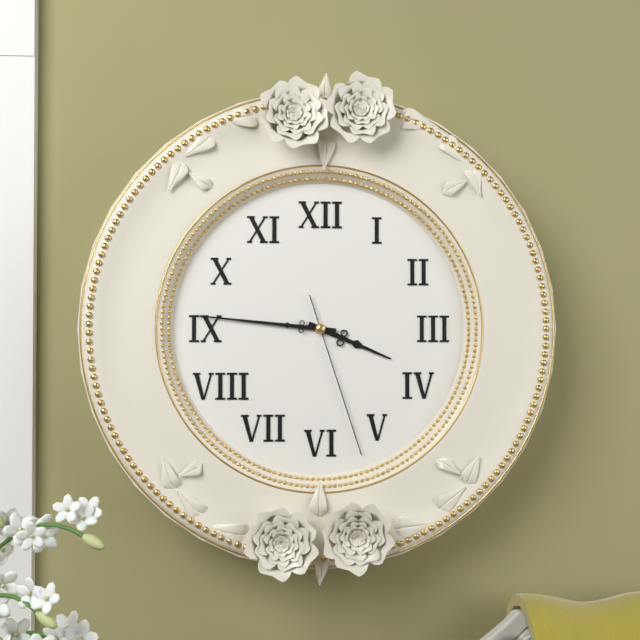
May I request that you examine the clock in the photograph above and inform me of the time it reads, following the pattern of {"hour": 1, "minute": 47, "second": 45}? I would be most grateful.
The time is {"hour": 3, "minute": 46, "second": 27}
